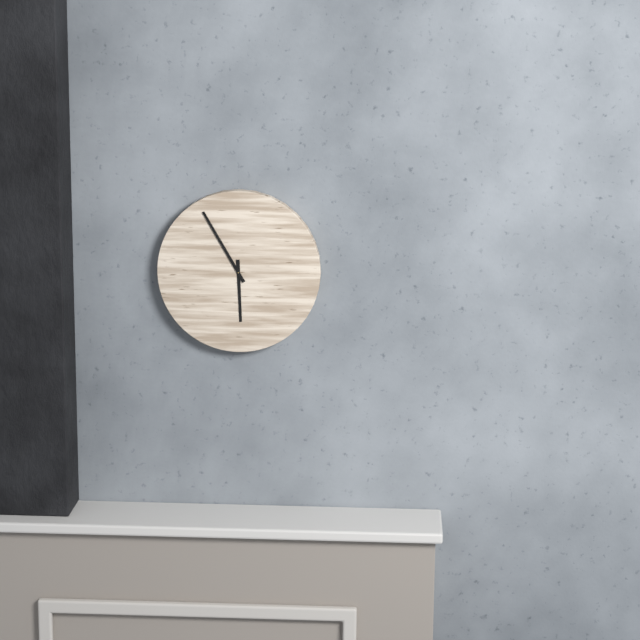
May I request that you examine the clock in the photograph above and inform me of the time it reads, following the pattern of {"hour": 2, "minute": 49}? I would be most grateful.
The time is {"hour": 5, "minute": 55}
